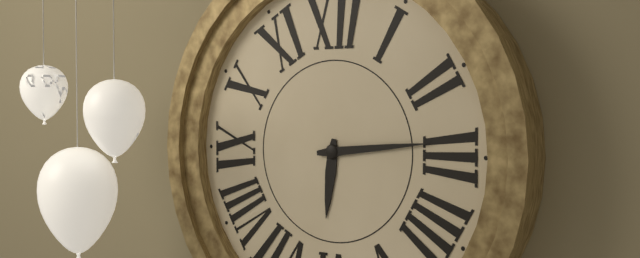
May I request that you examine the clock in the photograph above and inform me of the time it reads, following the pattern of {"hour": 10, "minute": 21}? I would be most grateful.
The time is {"hour": 6, "minute": 14}
